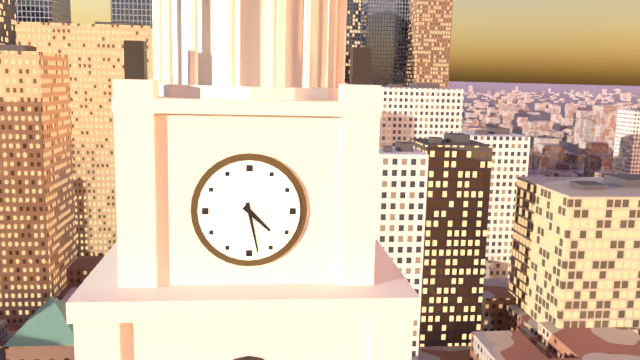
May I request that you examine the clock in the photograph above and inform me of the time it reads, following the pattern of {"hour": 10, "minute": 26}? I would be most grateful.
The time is {"hour": 4, "minute": 28}
